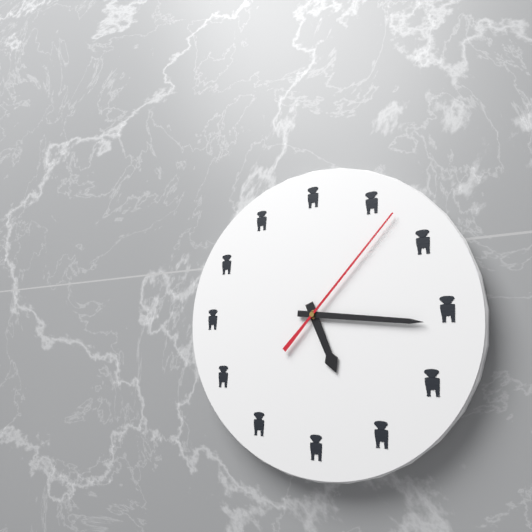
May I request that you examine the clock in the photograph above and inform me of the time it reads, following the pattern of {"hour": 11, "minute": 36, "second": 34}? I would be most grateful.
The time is {"hour": 5, "minute": 16, "second": 7}
